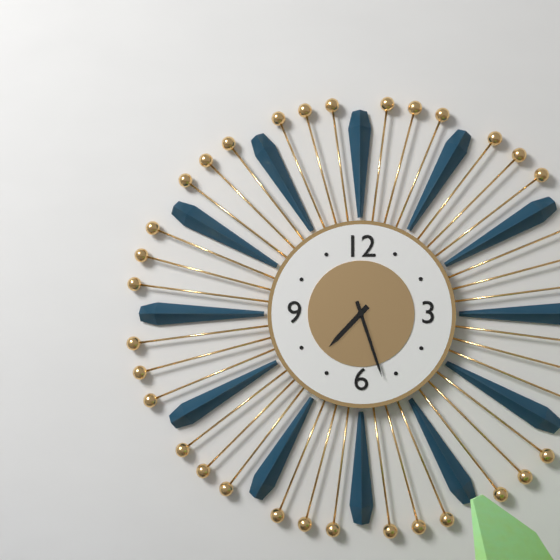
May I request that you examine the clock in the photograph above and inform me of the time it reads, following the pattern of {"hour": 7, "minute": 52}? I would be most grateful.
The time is {"hour": 7, "minute": 27}
